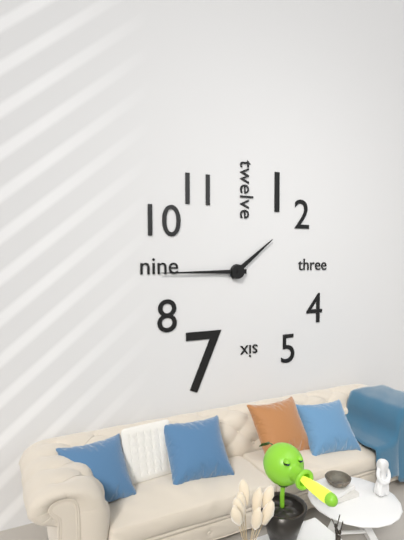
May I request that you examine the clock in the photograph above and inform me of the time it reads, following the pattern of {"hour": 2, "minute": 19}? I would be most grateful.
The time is {"hour": 1, "minute": 45}
